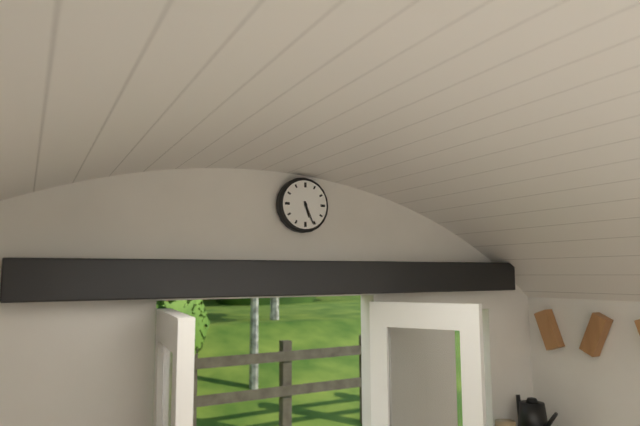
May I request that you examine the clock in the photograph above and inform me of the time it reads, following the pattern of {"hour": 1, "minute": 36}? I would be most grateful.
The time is {"hour": 5, "minute": 26}
